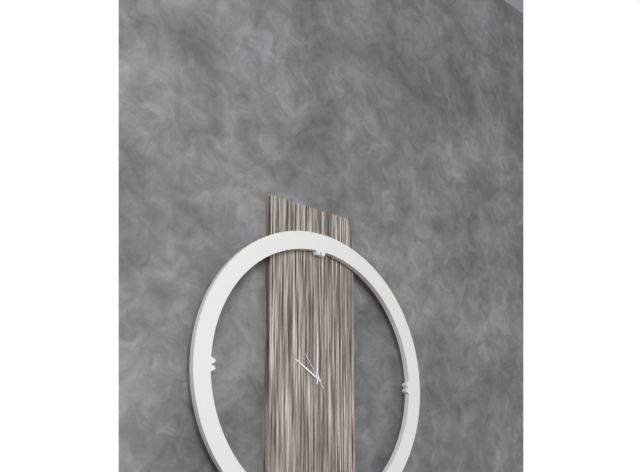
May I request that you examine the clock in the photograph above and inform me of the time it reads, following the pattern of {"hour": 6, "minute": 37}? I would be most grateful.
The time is {"hour": 10, "minute": 0}
